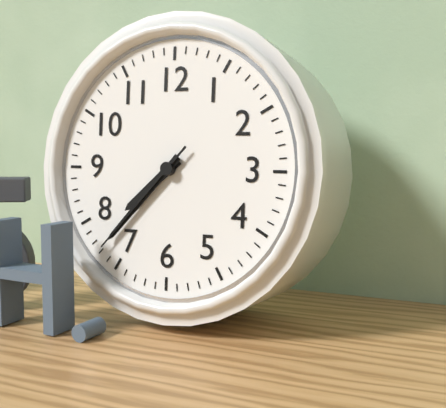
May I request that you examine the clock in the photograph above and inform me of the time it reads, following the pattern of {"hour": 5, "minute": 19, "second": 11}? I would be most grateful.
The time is {"hour": 7, "minute": 37, "second": 37}
